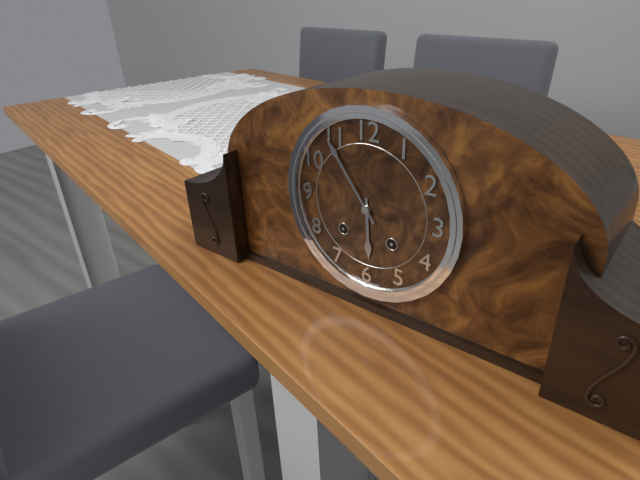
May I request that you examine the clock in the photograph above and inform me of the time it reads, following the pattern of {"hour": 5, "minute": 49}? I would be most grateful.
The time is {"hour": 5, "minute": 54}
